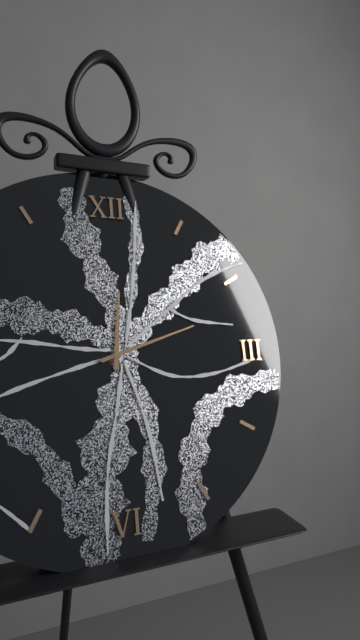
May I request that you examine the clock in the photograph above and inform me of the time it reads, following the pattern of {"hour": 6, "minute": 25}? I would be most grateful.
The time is {"hour": 12, "minute": 12}
